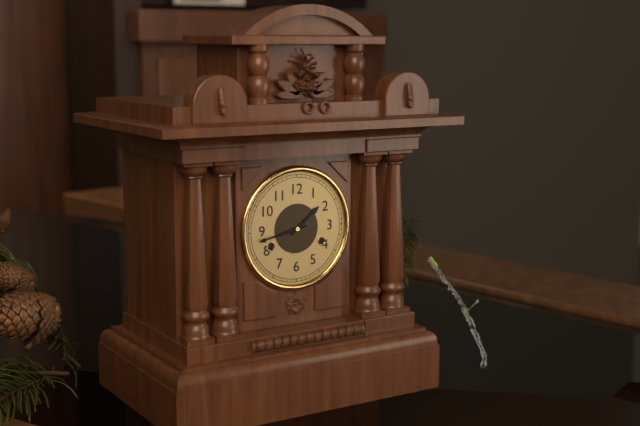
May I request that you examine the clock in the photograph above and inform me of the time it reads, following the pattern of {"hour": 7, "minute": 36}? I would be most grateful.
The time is {"hour": 1, "minute": 43}
